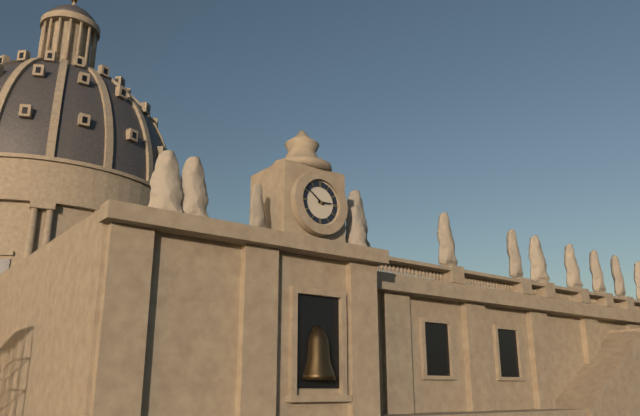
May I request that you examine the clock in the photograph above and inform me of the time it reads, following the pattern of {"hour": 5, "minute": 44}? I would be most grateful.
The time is {"hour": 2, "minute": 51}
